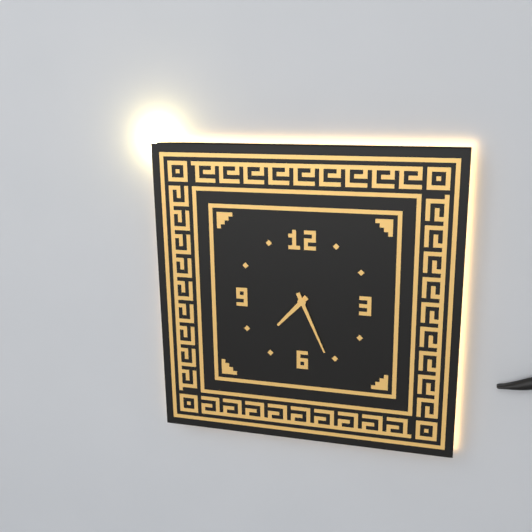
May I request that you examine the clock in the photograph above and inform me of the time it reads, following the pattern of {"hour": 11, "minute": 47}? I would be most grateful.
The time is {"hour": 7, "minute": 26}
